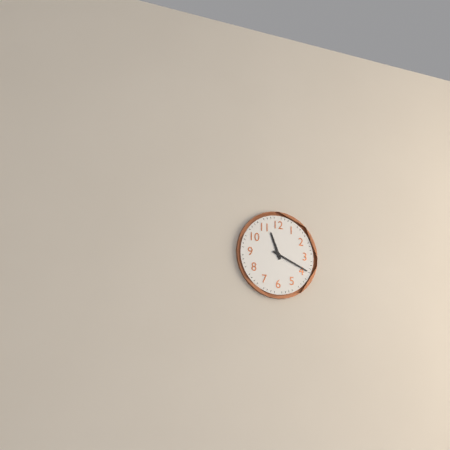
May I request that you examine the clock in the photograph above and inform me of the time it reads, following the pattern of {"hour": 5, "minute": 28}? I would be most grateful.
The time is {"hour": 11, "minute": 19}
